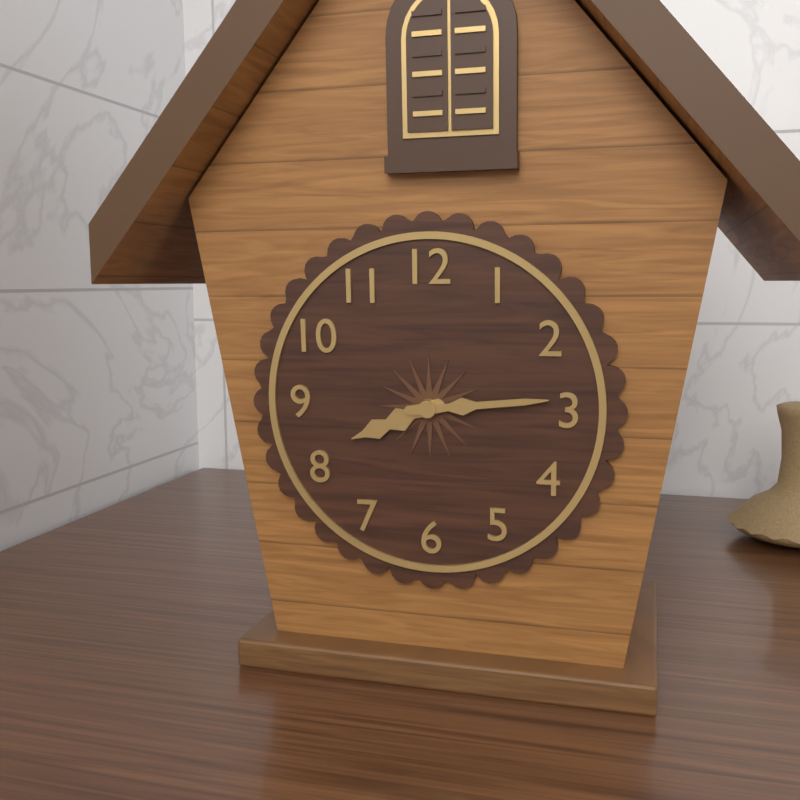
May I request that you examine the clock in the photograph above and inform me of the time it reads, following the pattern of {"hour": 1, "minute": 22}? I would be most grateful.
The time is {"hour": 8, "minute": 14}
